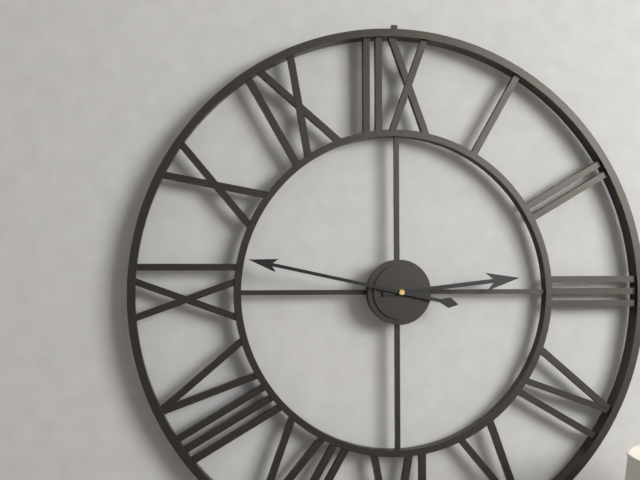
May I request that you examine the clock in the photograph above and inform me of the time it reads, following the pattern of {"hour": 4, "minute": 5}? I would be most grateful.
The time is {"hour": 2, "minute": 47}
